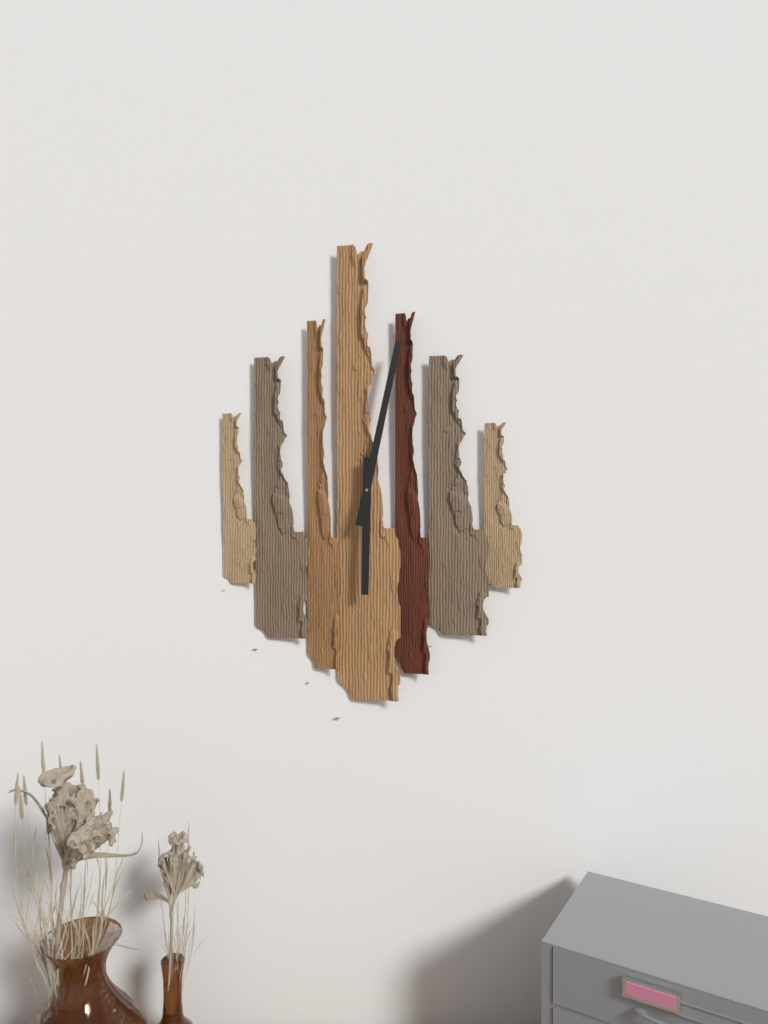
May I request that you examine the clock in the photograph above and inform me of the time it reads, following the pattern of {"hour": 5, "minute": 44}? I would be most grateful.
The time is {"hour": 6, "minute": 2}
